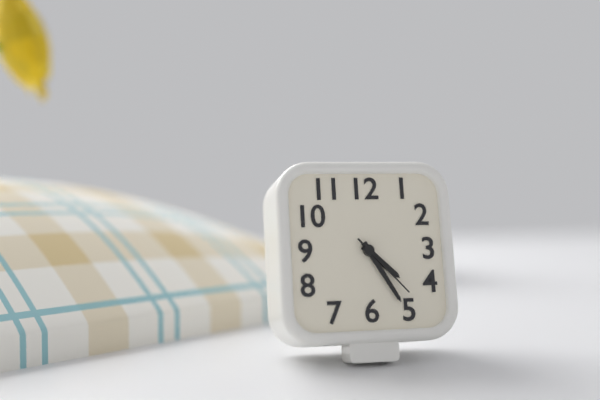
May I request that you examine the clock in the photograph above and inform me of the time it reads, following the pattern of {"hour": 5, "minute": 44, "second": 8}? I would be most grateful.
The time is {"hour": 4, "minute": 25, "second": 23}
